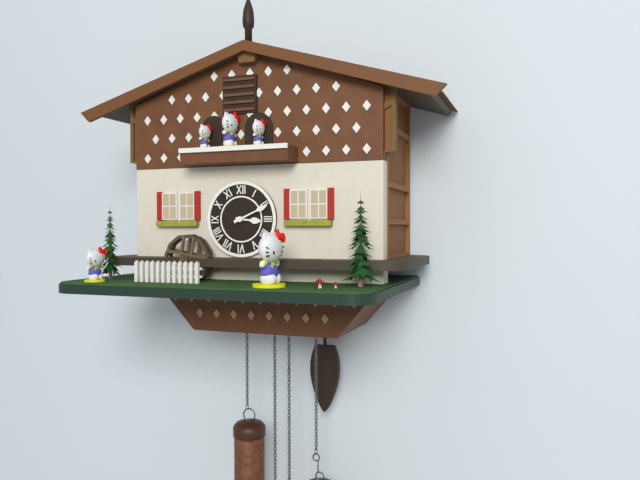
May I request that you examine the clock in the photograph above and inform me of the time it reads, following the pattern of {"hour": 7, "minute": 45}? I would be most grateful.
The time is {"hour": 3, "minute": 11}
